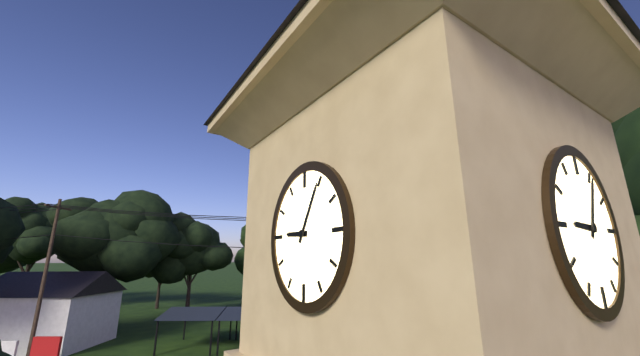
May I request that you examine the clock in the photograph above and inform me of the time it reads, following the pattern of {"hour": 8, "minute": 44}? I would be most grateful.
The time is {"hour": 9, "minute": 5}
